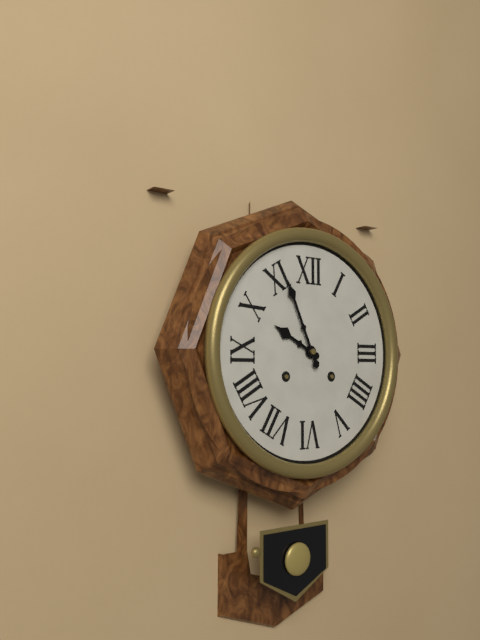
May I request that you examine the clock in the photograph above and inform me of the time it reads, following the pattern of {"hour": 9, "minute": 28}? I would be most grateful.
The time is {"hour": 9, "minute": 56}
